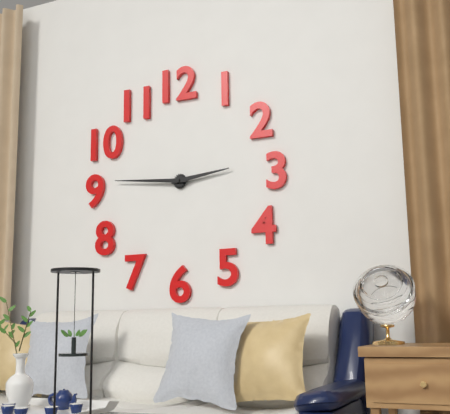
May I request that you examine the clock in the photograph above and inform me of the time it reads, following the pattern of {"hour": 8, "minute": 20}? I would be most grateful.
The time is {"hour": 2, "minute": 46}
